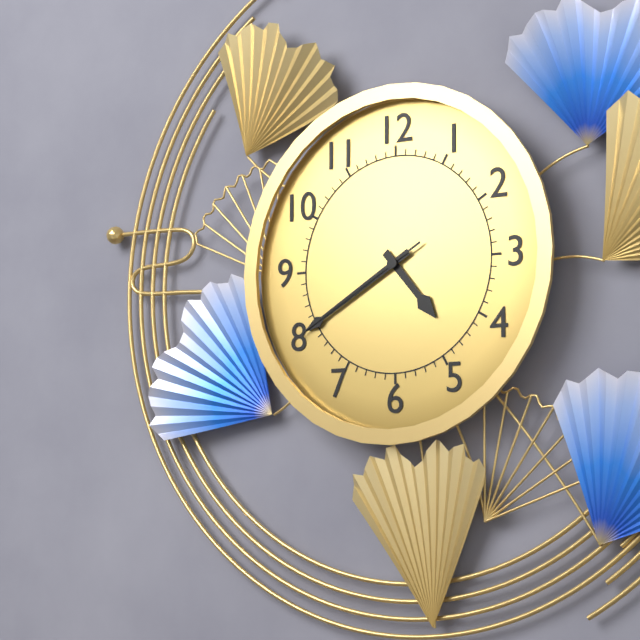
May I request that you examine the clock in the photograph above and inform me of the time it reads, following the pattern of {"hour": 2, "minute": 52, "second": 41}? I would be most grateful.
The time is {"hour": 4, "minute": 40, "second": 40}
